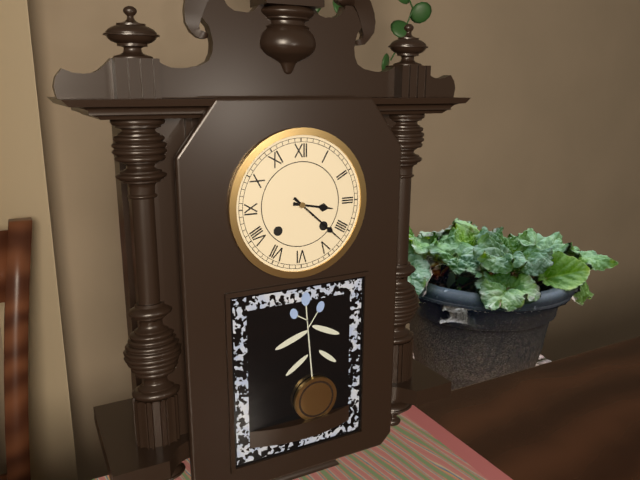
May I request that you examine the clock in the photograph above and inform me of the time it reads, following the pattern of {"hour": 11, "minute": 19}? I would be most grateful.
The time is {"hour": 3, "minute": 22}
